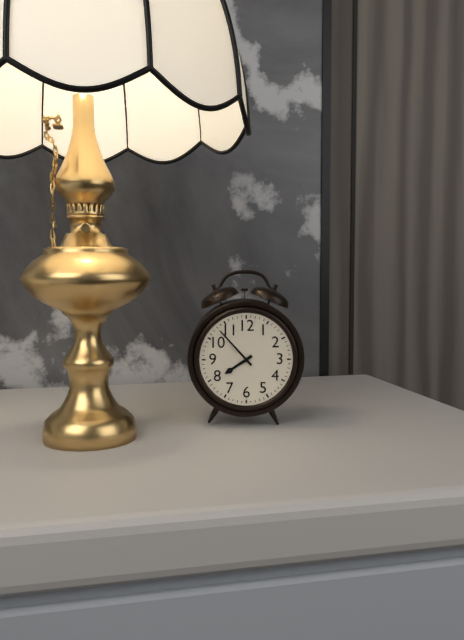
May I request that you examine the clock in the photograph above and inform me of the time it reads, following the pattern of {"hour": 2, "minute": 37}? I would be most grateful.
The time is {"hour": 7, "minute": 53}
